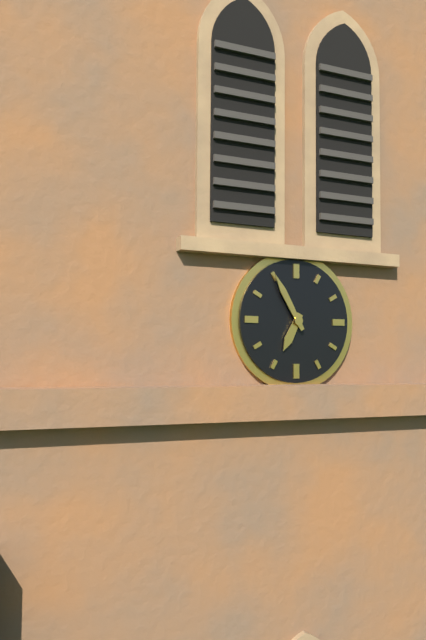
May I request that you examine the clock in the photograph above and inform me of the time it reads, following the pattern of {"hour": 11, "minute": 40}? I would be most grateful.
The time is {"hour": 6, "minute": 55}
